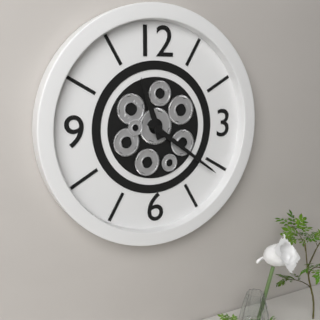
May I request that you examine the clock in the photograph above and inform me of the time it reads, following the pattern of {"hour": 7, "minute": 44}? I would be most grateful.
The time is {"hour": 11, "minute": 21}
